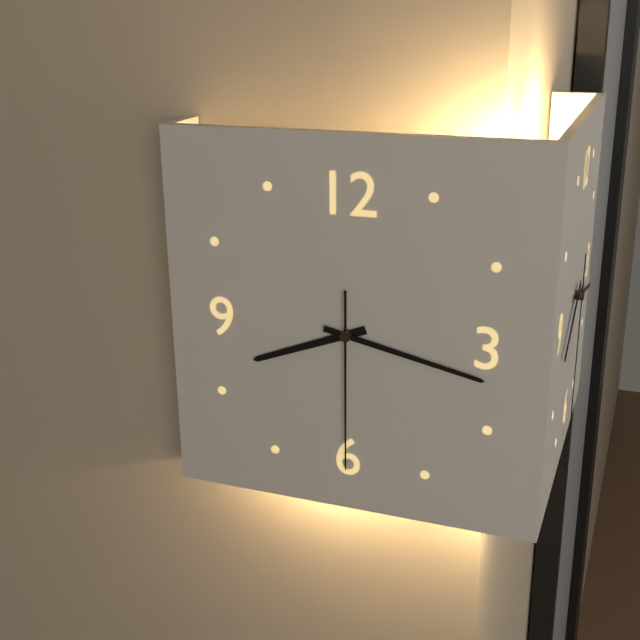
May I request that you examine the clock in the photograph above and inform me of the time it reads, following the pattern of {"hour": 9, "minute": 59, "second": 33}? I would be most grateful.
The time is {"hour": 8, "minute": 17, "second": 30}
